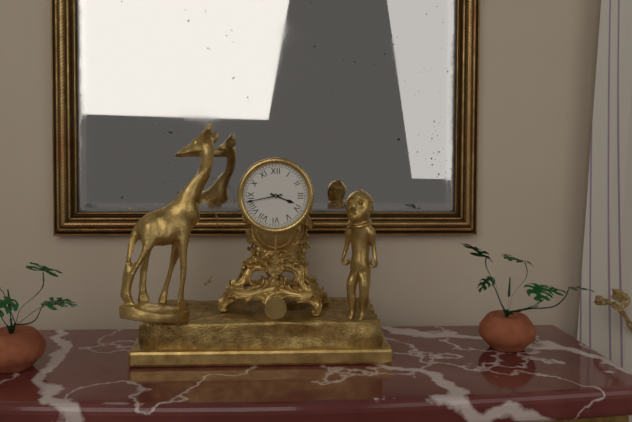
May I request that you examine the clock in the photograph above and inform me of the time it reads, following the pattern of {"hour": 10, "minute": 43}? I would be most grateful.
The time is {"hour": 3, "minute": 43}
